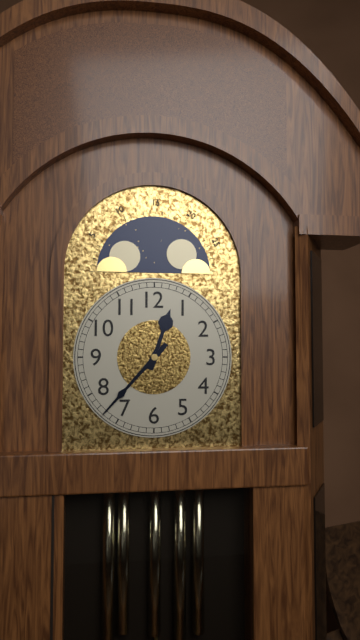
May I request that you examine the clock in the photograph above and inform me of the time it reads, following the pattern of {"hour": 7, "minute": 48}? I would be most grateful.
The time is {"hour": 12, "minute": 37}
